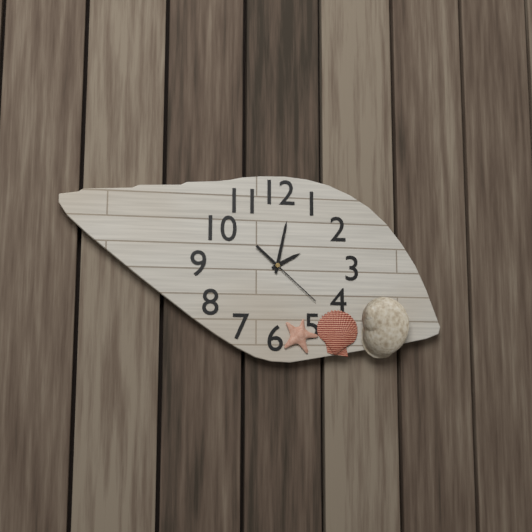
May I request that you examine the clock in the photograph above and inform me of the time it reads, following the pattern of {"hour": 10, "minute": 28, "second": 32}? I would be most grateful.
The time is {"hour": 2, "minute": 2, "second": 22}
